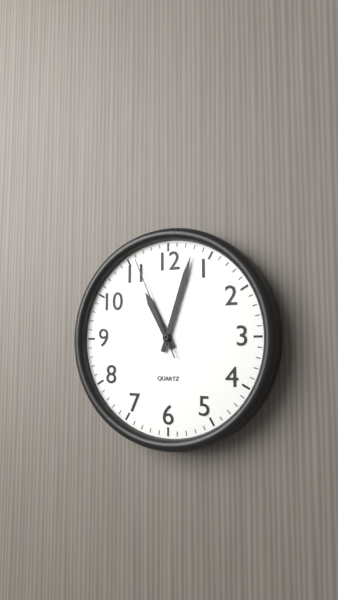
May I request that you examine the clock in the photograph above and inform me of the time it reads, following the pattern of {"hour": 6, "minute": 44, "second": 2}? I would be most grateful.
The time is {"hour": 11, "minute": 3, "second": 56}
